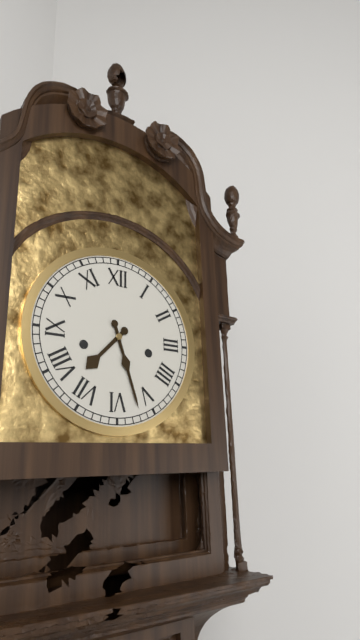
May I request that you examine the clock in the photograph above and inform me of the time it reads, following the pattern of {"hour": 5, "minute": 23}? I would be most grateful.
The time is {"hour": 7, "minute": 27}
